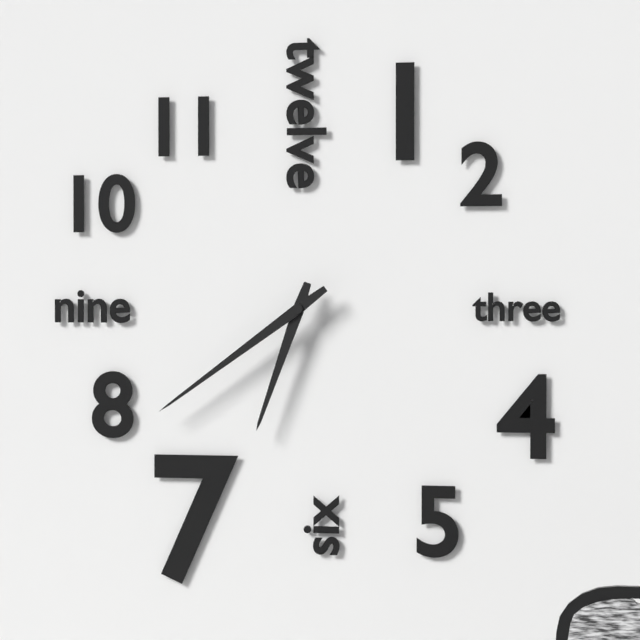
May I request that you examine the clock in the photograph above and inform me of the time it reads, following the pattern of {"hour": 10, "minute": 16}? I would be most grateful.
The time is {"hour": 6, "minute": 39}
